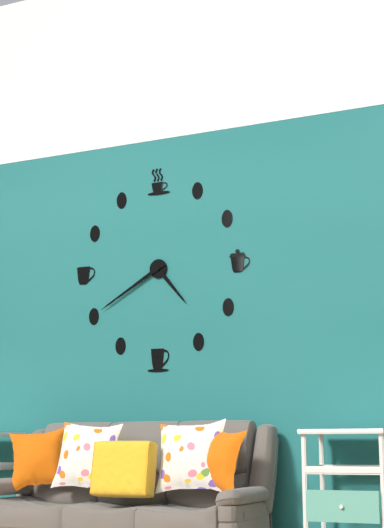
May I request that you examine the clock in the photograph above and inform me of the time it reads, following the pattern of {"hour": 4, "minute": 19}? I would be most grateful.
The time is {"hour": 4, "minute": 40}
